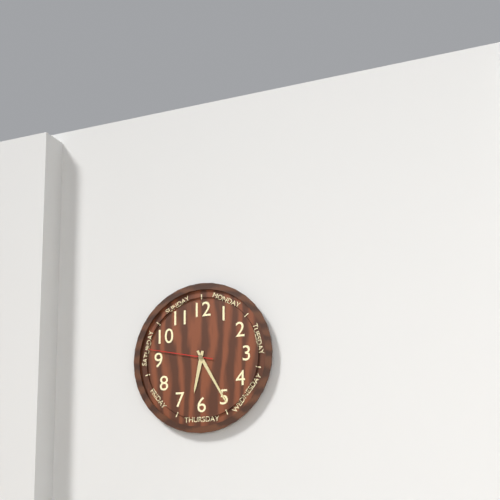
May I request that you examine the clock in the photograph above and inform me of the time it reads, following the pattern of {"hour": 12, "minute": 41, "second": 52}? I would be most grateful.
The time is {"hour": 6, "minute": 25, "second": 47}
